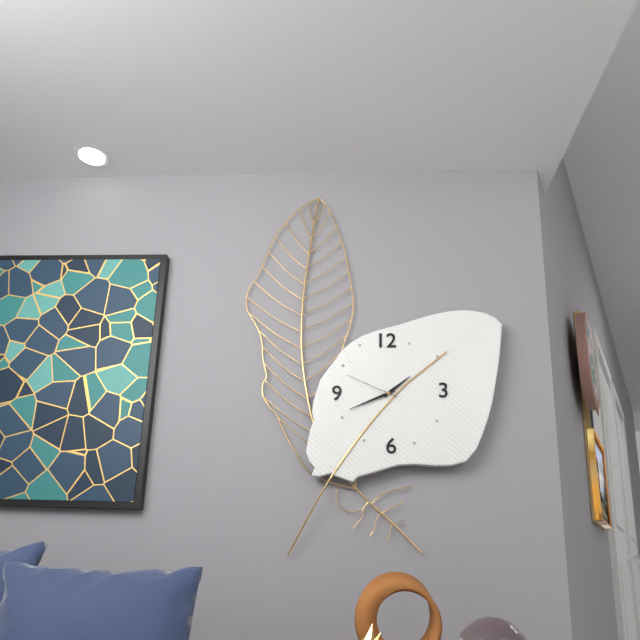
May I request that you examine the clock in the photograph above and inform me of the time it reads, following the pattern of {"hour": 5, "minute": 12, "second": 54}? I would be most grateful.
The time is {"hour": 1, "minute": 41, "second": 49}
